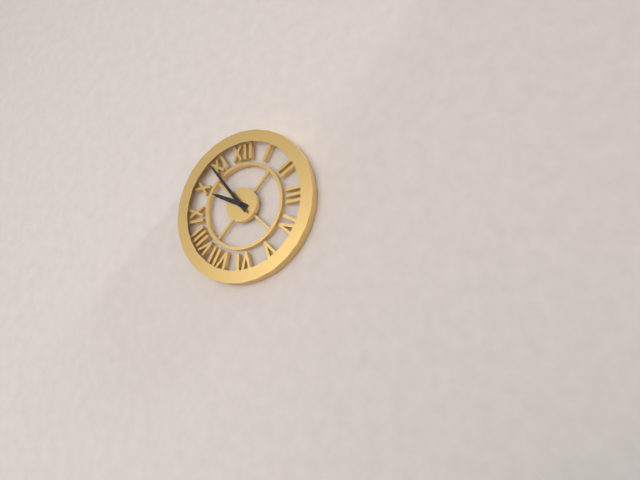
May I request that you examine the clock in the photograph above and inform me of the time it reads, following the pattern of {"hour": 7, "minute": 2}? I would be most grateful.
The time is {"hour": 9, "minute": 54}
